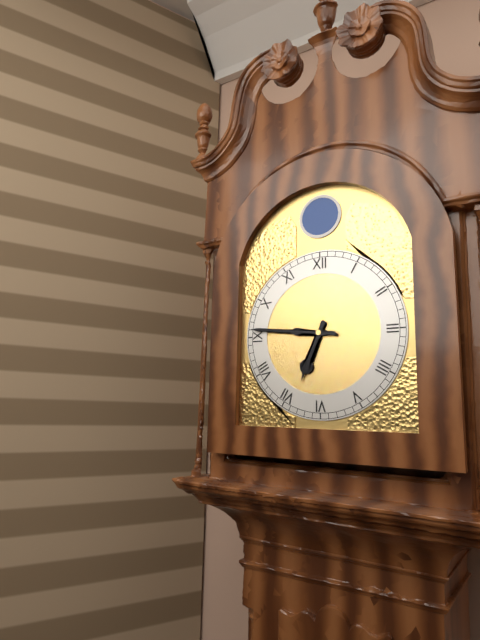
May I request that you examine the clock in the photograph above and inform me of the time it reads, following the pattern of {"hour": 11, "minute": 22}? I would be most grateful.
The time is {"hour": 6, "minute": 46}
